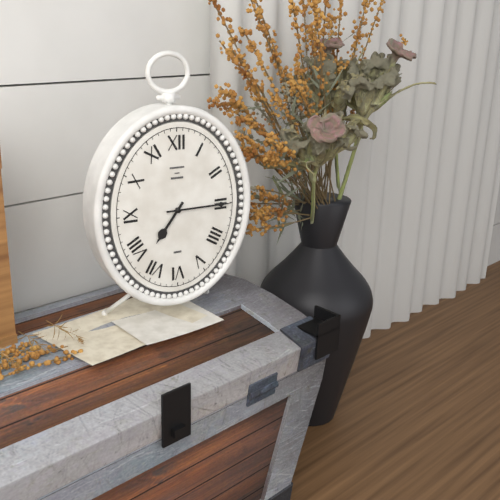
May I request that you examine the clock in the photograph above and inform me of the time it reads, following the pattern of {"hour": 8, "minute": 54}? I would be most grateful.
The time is {"hour": 7, "minute": 15}
